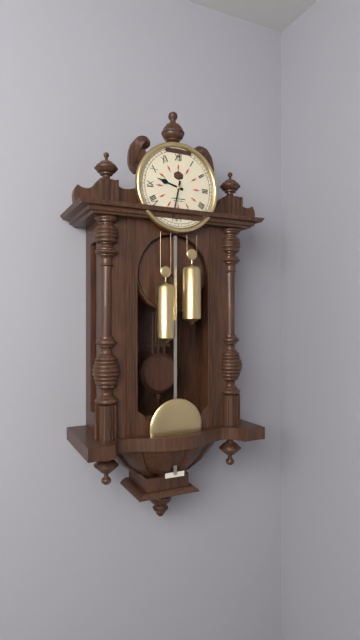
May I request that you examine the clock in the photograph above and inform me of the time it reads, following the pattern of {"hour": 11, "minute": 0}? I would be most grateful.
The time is {"hour": 9, "minute": 32}
